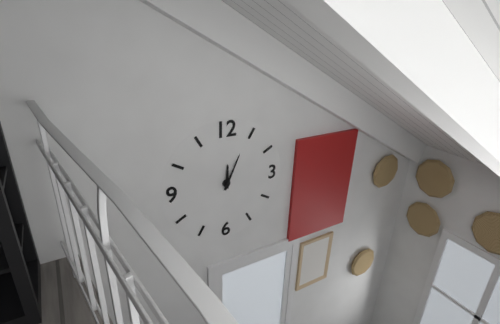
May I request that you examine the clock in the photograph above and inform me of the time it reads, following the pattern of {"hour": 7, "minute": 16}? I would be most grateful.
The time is {"hour": 12, "minute": 4}
